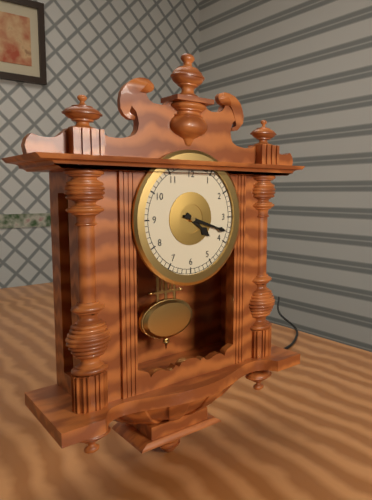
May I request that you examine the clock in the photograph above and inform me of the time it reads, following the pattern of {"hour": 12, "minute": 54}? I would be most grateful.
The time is {"hour": 4, "minute": 18}
